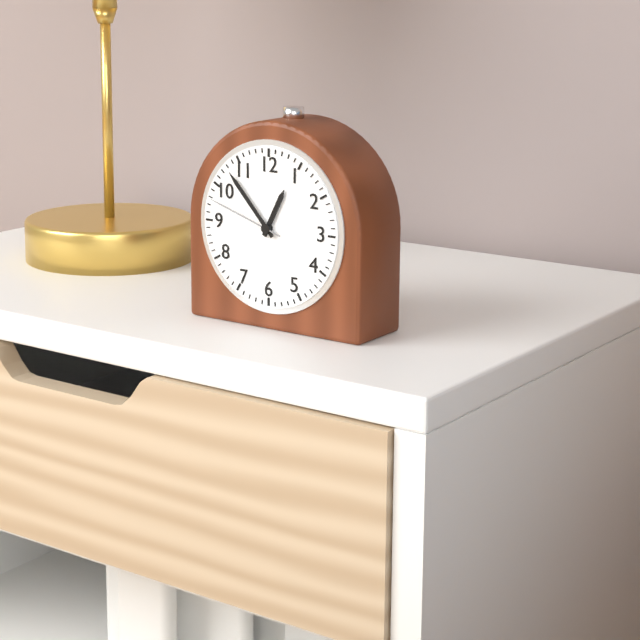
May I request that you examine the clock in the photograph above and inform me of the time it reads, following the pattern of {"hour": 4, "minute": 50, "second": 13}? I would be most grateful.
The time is {"hour": 12, "minute": 53, "second": 48}
